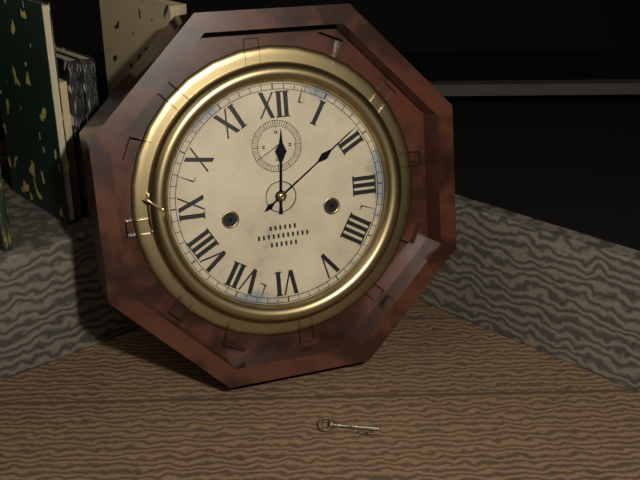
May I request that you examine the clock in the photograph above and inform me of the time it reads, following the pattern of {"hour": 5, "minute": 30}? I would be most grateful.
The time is {"hour": 12, "minute": 9}
